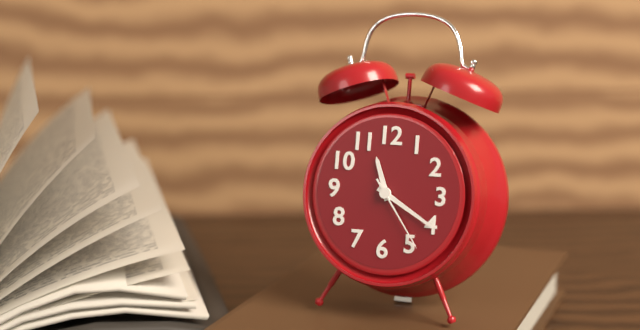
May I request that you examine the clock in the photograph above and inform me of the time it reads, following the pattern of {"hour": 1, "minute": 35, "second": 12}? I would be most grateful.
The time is {"hour": 11, "minute": 20, "second": 24}
